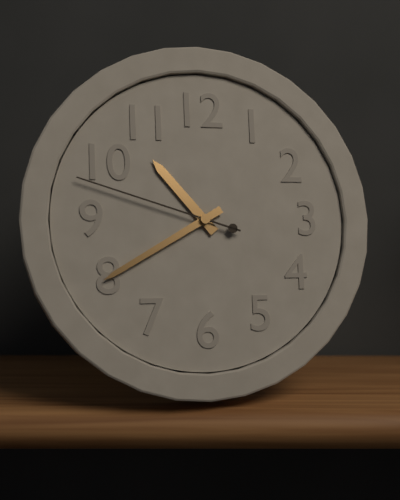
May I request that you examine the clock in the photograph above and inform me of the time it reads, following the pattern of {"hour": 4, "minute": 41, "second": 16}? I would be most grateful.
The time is {"hour": 10, "minute": 40, "second": 48}
